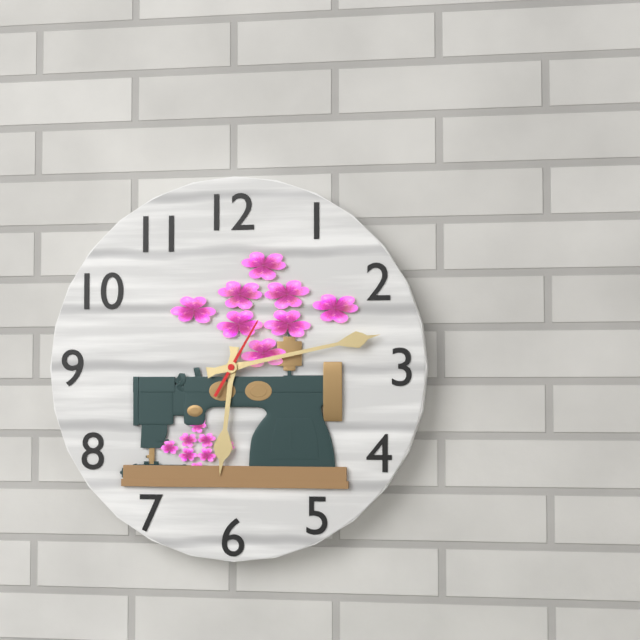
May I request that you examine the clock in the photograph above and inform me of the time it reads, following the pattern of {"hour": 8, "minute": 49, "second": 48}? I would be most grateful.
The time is {"hour": 6, "minute": 13, "second": 5}
